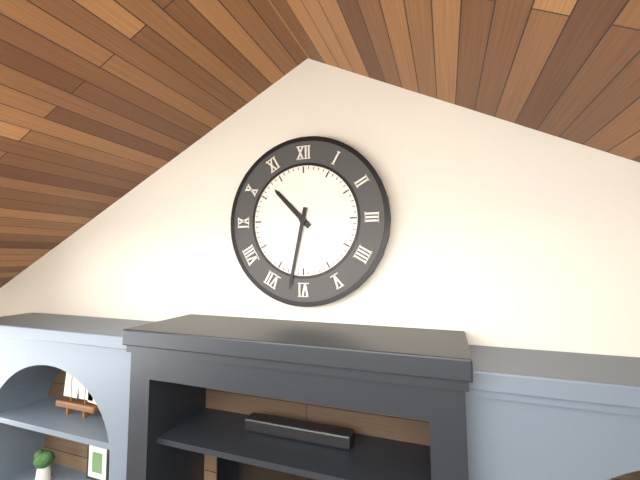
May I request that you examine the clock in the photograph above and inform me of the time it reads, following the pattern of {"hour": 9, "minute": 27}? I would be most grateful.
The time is {"hour": 10, "minute": 32}
